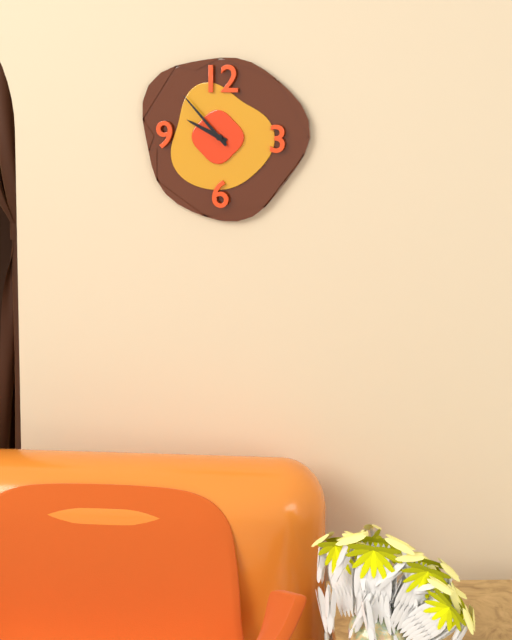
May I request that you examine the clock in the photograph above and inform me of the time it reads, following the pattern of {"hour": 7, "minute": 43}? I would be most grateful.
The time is {"hour": 9, "minute": 53}
